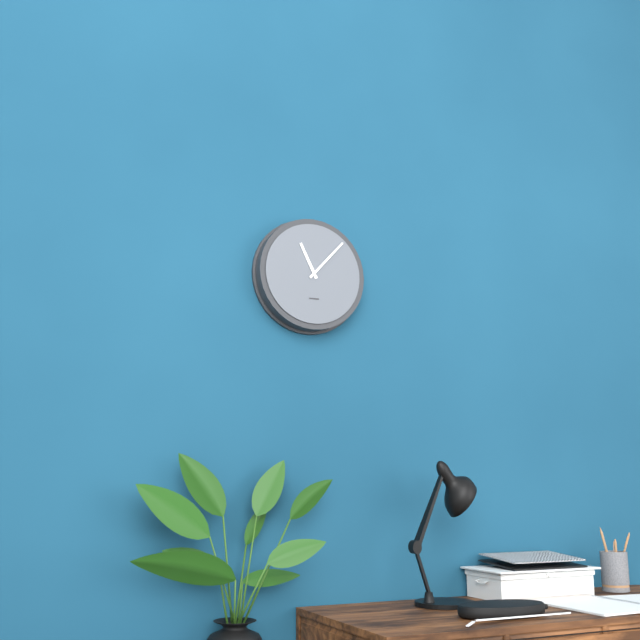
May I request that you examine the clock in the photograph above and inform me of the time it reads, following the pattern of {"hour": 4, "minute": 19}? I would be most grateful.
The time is {"hour": 11, "minute": 7}
